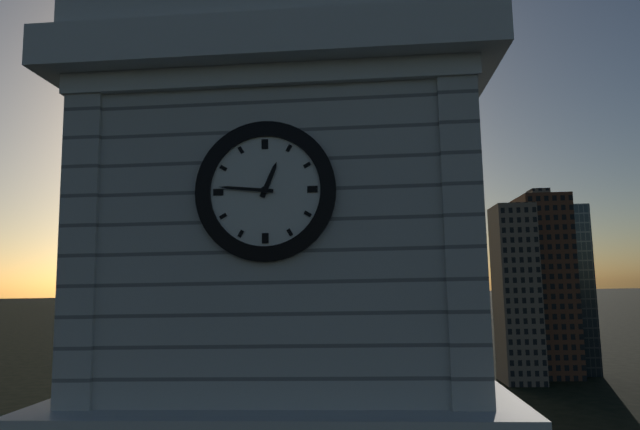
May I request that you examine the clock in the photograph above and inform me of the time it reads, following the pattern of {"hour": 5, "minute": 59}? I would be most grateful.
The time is {"hour": 12, "minute": 46}
